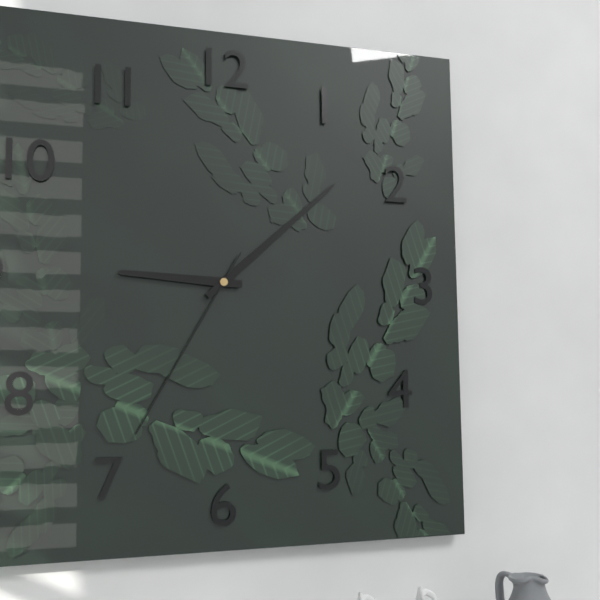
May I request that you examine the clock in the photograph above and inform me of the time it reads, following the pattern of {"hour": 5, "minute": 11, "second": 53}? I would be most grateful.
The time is {"hour": 9, "minute": 8, "second": 35}
